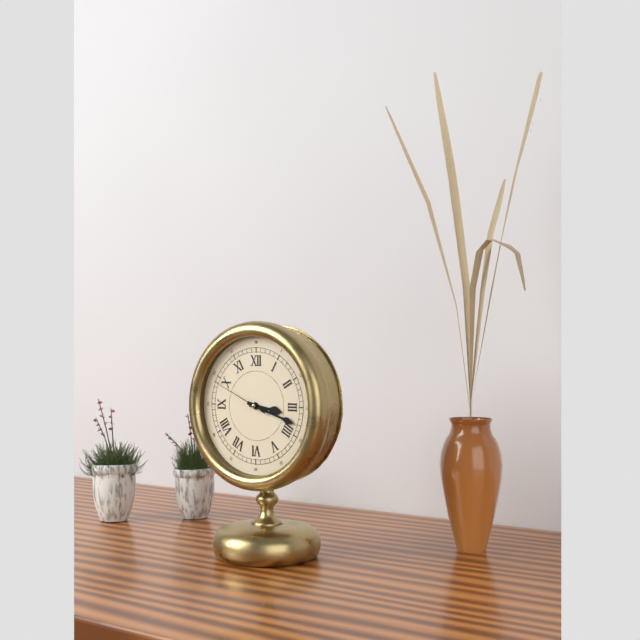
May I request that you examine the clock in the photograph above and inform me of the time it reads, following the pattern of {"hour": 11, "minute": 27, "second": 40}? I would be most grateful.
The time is {"hour": 3, "minute": 18, "second": 49}
